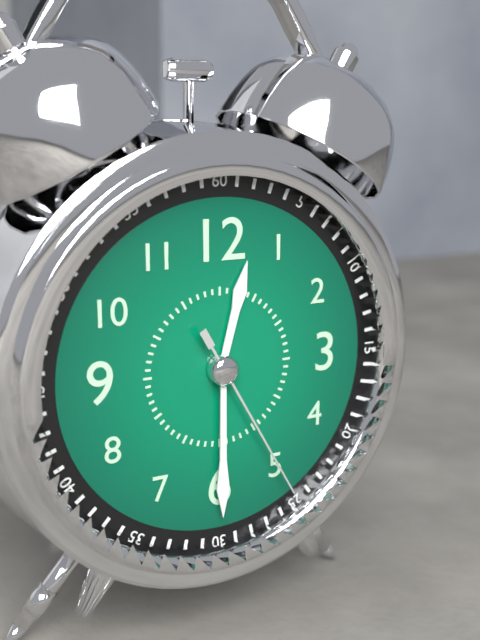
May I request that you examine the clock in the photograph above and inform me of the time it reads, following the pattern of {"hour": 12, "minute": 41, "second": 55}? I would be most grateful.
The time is {"hour": 12, "minute": 30, "second": 25}
